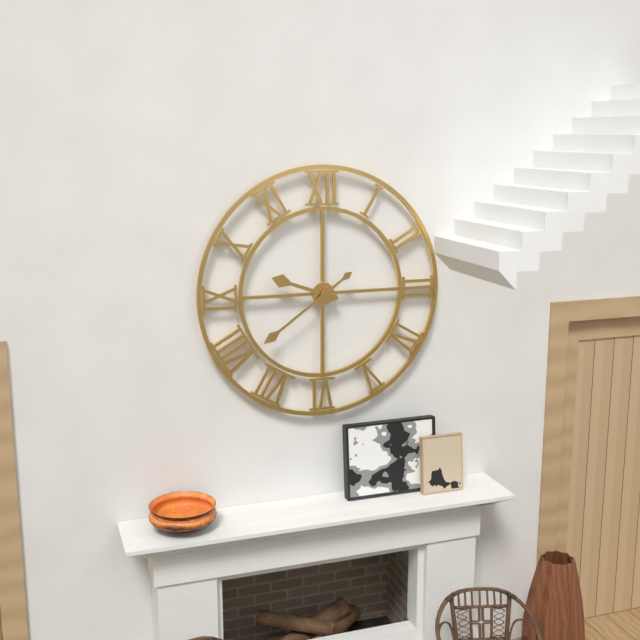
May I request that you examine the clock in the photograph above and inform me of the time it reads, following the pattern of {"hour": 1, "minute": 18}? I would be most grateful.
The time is {"hour": 9, "minute": 39}
